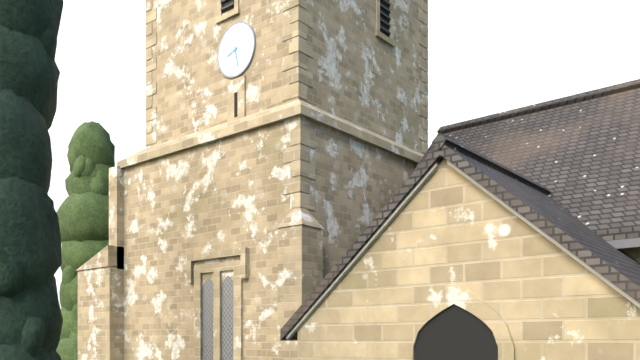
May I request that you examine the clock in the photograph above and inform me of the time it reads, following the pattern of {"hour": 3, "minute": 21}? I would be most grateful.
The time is {"hour": 8, "minute": 28}
